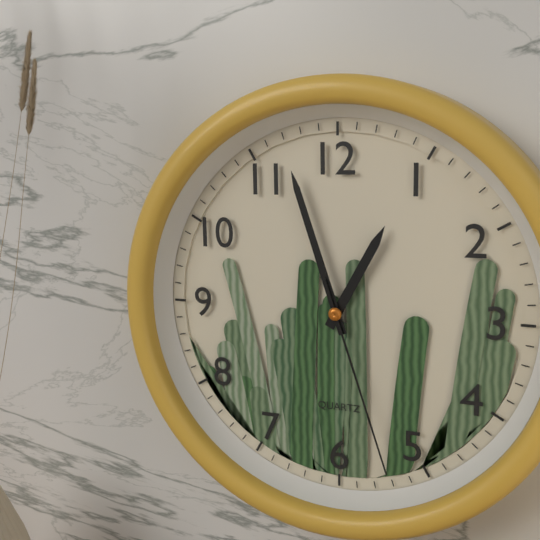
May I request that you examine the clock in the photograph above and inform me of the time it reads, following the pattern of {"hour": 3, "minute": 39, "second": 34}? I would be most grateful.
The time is {"hour": 12, "minute": 57, "second": 27}
